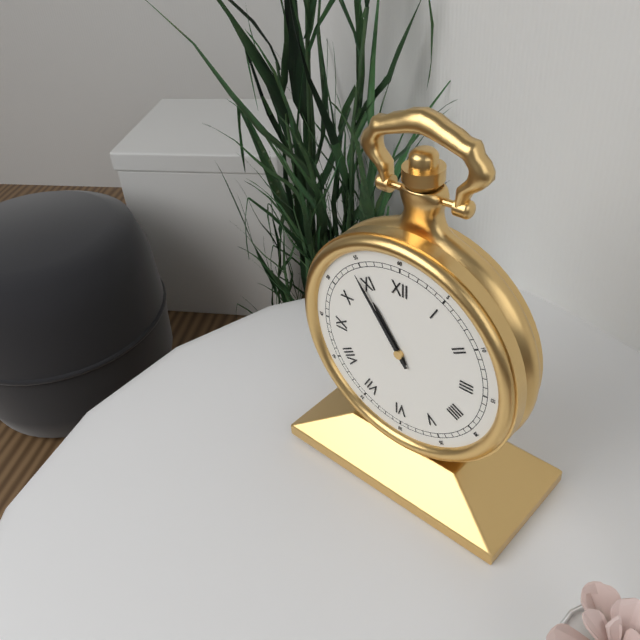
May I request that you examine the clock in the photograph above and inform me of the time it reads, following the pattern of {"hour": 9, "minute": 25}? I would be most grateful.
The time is {"hour": 10, "minute": 54}
